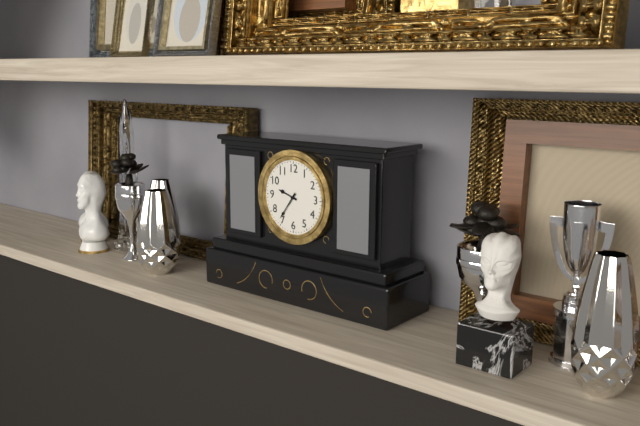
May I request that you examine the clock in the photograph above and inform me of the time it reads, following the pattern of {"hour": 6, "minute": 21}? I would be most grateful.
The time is {"hour": 9, "minute": 36}
